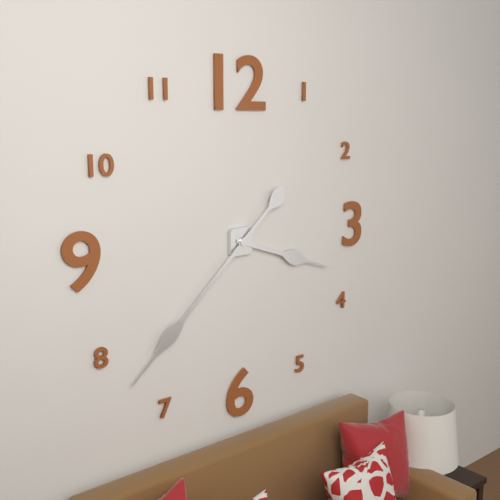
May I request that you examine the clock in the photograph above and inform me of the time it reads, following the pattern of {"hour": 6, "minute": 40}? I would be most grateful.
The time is {"hour": 3, "minute": 38}
